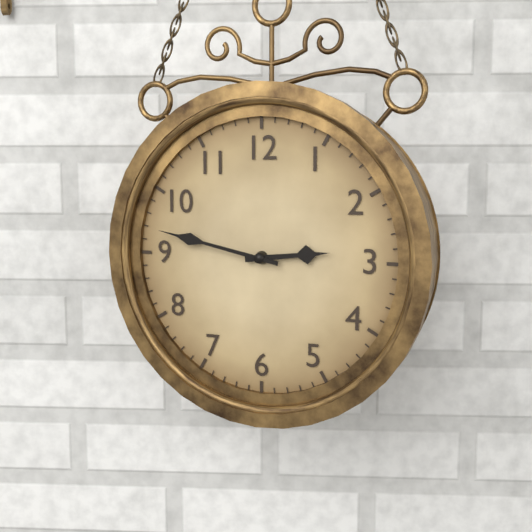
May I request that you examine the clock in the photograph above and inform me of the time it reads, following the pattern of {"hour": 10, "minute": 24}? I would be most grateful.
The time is {"hour": 2, "minute": 47}
